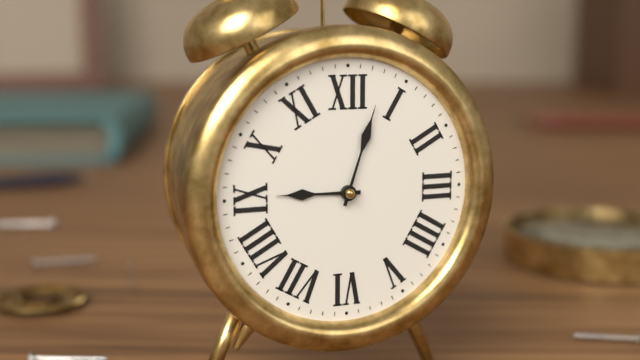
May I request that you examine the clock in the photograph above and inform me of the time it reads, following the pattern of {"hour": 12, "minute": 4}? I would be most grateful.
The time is {"hour": 9, "minute": 3}
